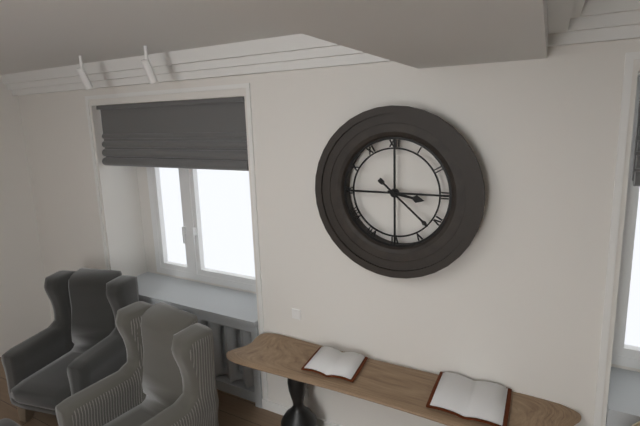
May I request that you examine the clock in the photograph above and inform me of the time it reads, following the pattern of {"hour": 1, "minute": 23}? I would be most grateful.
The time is {"hour": 3, "minute": 22}
